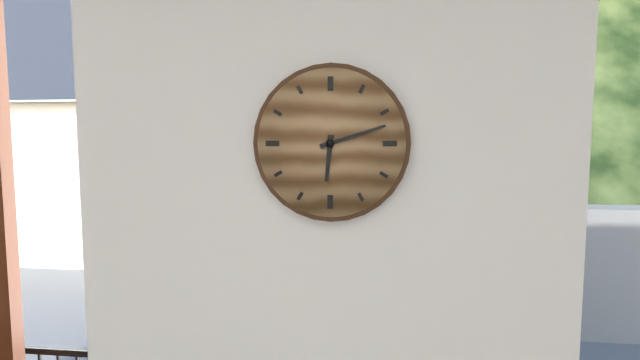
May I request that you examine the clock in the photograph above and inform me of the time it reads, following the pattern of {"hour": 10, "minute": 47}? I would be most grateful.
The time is {"hour": 6, "minute": 12}
